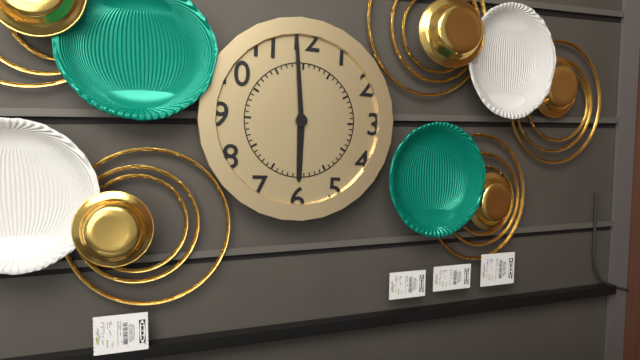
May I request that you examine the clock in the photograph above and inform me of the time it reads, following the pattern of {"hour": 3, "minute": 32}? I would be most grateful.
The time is {"hour": 5, "minute": 59}
